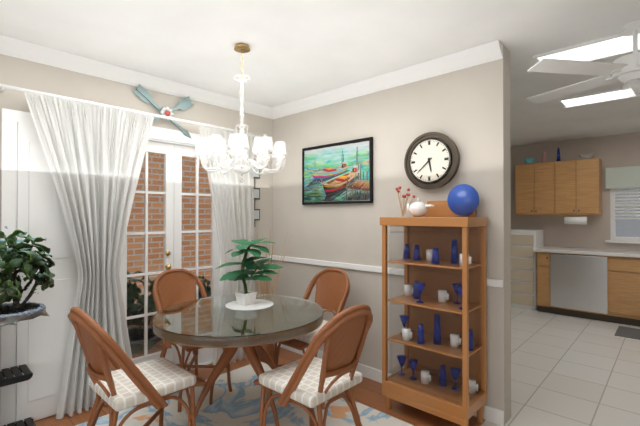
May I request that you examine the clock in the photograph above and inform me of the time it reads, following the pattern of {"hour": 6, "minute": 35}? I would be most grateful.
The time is {"hour": 5, "minute": 38}
